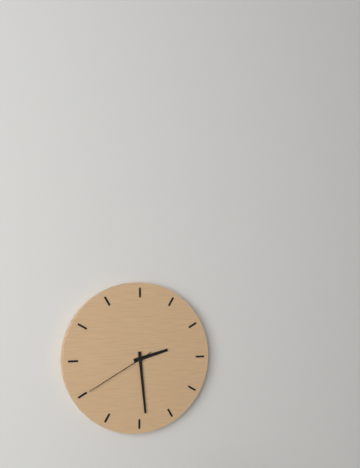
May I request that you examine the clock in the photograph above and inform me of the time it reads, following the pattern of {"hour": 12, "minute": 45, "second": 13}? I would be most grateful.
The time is {"hour": 2, "minute": 29, "second": 40}
